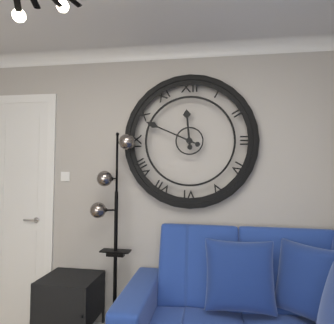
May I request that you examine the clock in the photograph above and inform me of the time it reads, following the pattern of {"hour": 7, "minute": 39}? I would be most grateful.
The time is {"hour": 11, "minute": 49}
